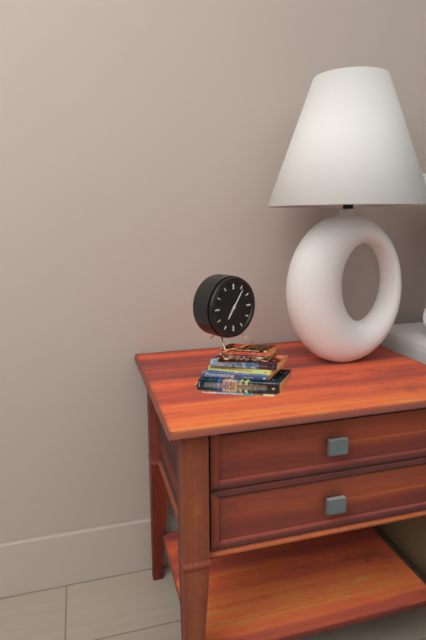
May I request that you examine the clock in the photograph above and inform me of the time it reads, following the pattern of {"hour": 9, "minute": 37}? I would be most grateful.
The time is {"hour": 7, "minute": 6}
